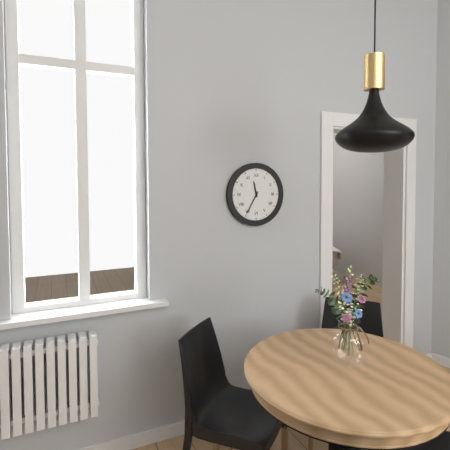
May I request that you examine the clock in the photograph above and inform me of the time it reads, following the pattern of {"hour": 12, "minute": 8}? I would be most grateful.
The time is {"hour": 11, "minute": 35}
